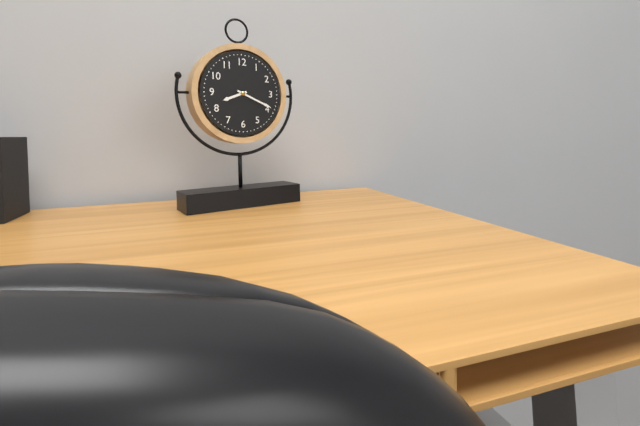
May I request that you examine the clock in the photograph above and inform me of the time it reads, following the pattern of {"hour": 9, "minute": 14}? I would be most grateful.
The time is {"hour": 8, "minute": 19}
